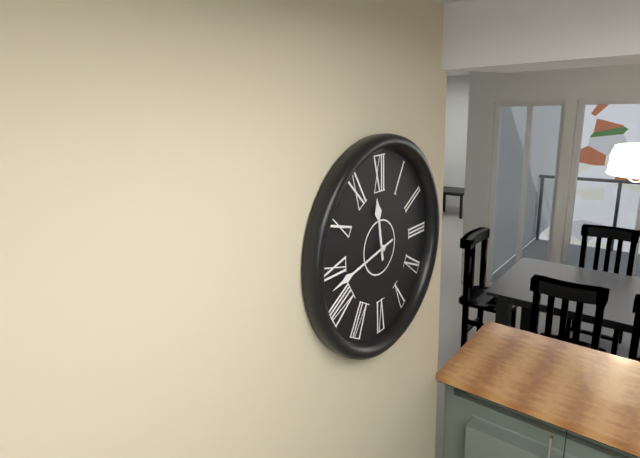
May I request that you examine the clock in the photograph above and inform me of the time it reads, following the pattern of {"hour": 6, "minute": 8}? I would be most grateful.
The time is {"hour": 11, "minute": 43}
